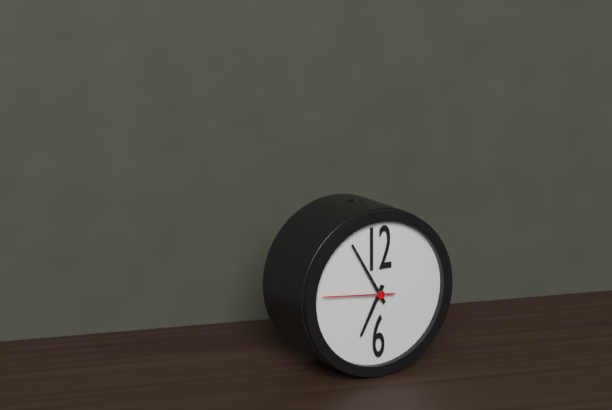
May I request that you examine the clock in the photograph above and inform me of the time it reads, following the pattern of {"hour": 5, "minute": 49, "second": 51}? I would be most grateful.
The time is {"hour": 6, "minute": 55, "second": 46}
